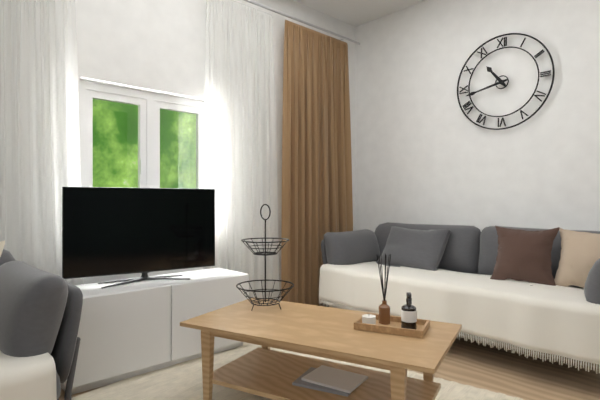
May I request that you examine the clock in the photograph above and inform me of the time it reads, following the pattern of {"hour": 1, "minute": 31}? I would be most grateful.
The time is {"hour": 10, "minute": 43}
